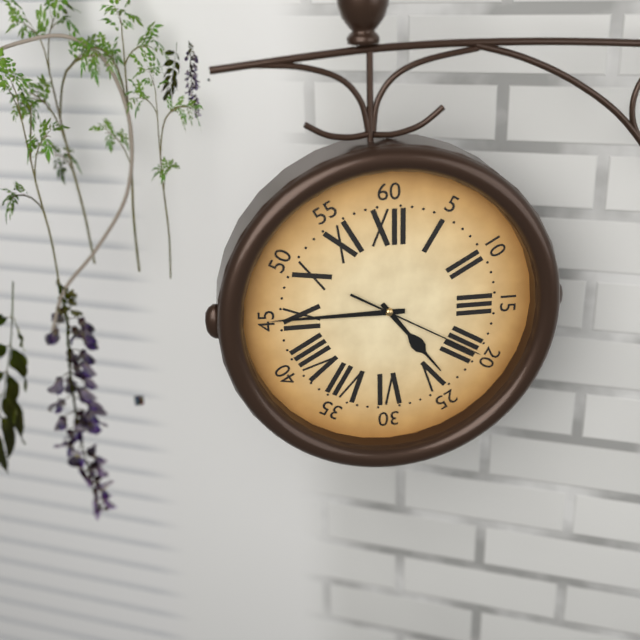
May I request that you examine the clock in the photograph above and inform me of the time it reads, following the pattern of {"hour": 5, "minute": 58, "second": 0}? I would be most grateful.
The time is {"hour": 4, "minute": 45, "second": 20}
